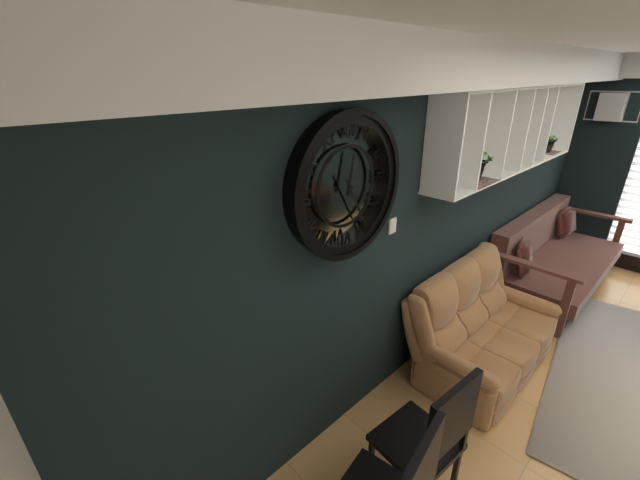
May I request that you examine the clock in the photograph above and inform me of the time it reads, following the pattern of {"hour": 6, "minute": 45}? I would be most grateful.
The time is {"hour": 12, "minute": 25}
